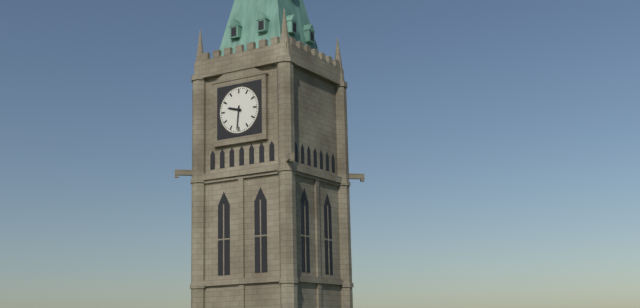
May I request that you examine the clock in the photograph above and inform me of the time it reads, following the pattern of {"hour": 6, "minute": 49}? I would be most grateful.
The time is {"hour": 9, "minute": 31}
